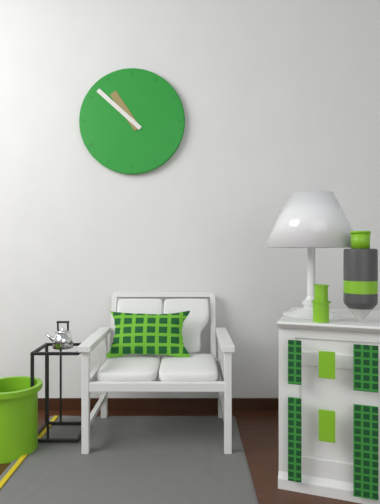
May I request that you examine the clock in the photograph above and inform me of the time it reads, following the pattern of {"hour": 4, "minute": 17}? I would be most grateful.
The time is {"hour": 10, "minute": 52}
